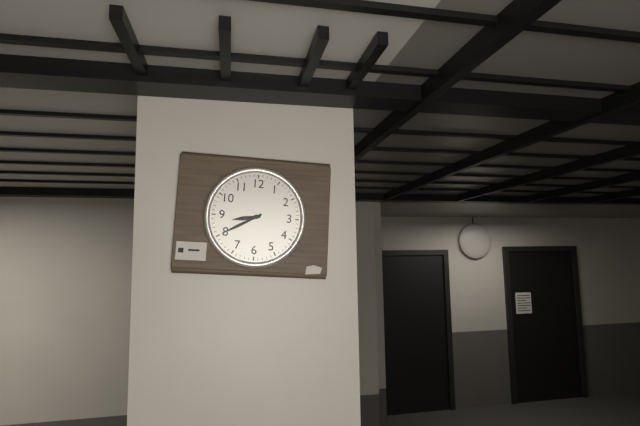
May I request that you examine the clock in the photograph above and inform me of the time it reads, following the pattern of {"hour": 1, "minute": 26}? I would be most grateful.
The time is {"hour": 8, "minute": 40}
